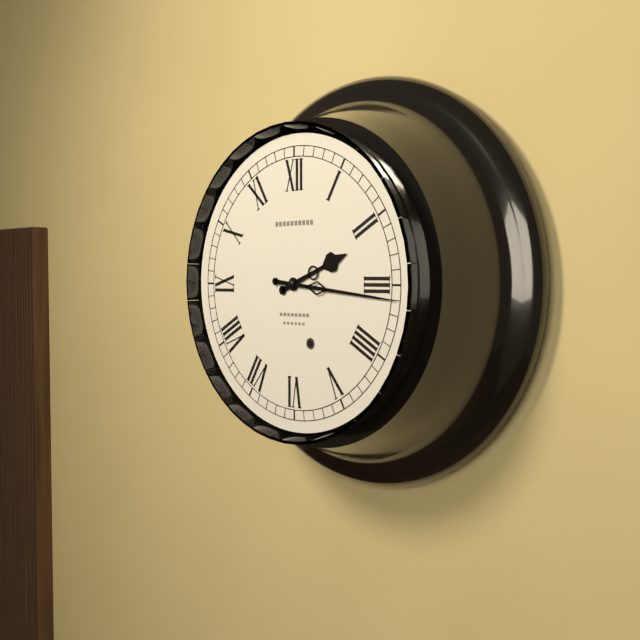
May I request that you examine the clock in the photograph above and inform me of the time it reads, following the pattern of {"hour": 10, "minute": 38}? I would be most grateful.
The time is {"hour": 2, "minute": 16}
